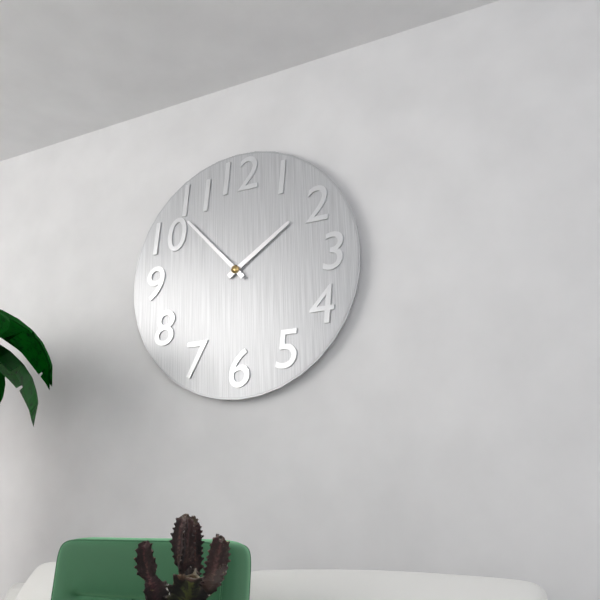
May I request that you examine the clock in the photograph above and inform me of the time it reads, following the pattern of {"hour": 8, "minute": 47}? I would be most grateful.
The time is {"hour": 1, "minute": 53}
